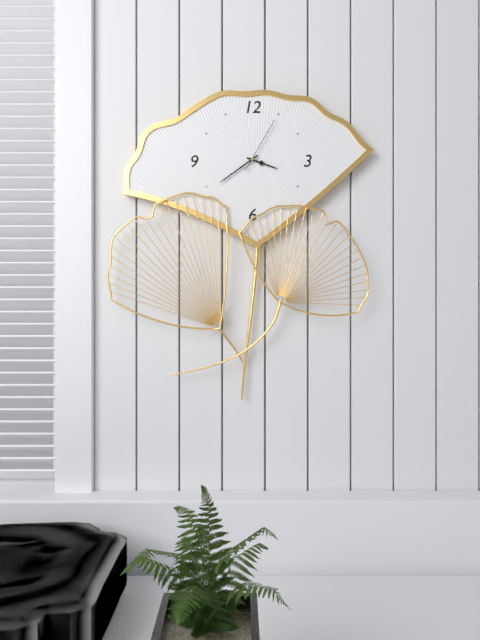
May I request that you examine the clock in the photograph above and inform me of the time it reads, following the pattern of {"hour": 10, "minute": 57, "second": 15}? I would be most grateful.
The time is {"hour": 3, "minute": 39, "second": 5}
